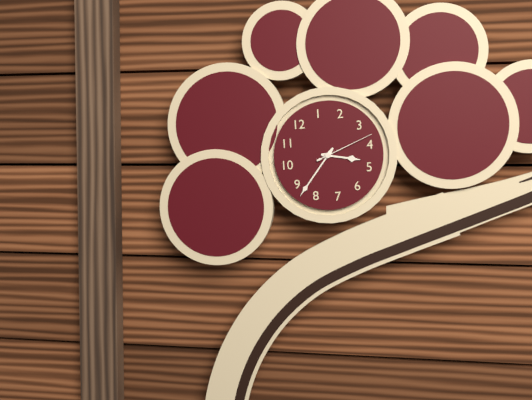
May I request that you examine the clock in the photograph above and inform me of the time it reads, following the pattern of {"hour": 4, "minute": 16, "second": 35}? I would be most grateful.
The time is {"hour": 4, "minute": 43, "second": 18}
